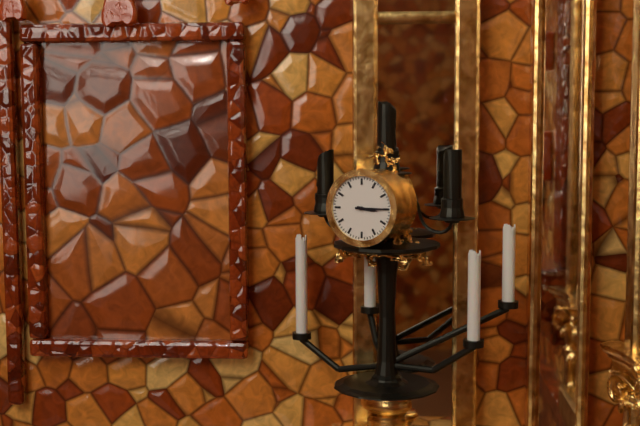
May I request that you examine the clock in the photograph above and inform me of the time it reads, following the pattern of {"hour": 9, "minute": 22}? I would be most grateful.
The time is {"hour": 3, "minute": 15}
